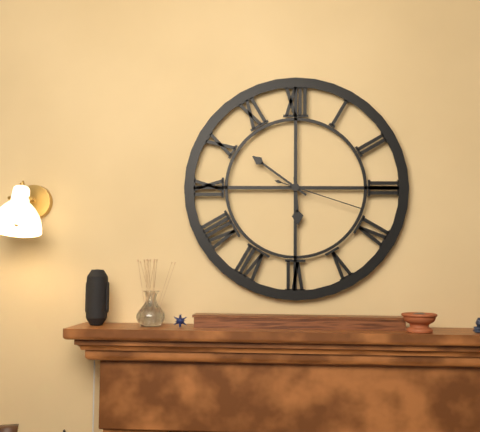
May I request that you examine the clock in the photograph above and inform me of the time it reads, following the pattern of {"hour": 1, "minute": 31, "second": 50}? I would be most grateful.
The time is {"hour": 5, "minute": 51, "second": 18}
